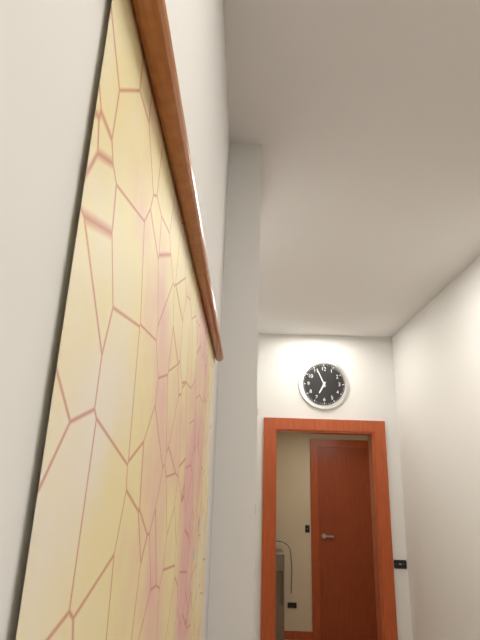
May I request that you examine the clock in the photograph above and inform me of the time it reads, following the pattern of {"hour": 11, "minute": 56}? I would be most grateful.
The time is {"hour": 6, "minute": 56}
